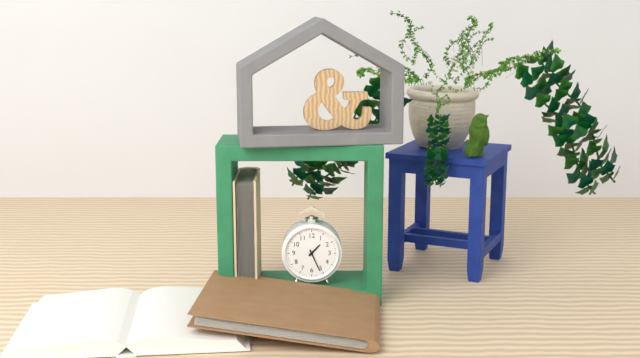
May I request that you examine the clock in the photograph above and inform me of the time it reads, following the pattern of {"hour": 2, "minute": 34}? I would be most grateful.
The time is {"hour": 1, "minute": 26}
